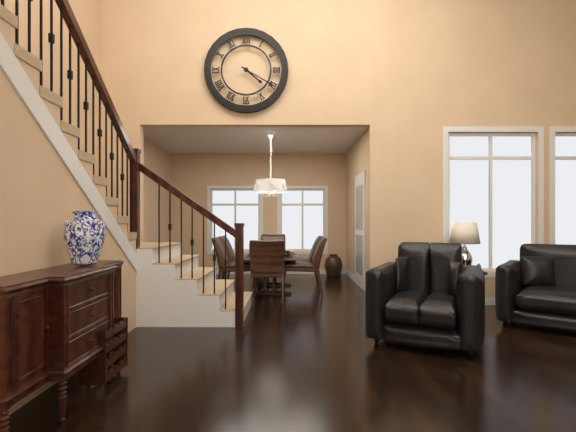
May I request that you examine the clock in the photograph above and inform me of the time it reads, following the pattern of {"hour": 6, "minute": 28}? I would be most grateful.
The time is {"hour": 4, "minute": 20}
